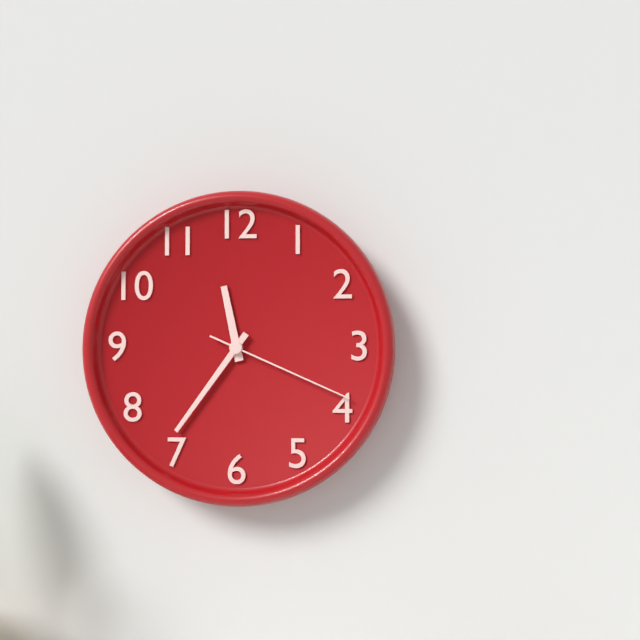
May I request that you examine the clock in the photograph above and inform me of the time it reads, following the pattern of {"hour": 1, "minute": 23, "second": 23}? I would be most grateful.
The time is {"hour": 11, "minute": 36, "second": 19}
